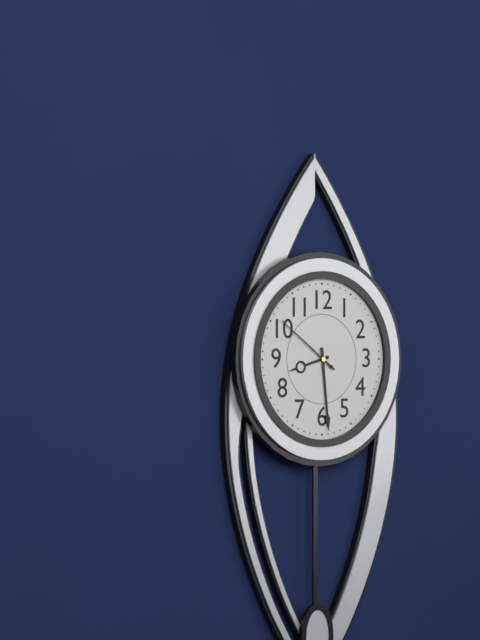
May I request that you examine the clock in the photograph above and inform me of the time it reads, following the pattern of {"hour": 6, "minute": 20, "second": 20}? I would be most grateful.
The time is {"hour": 8, "minute": 29, "second": 51}
